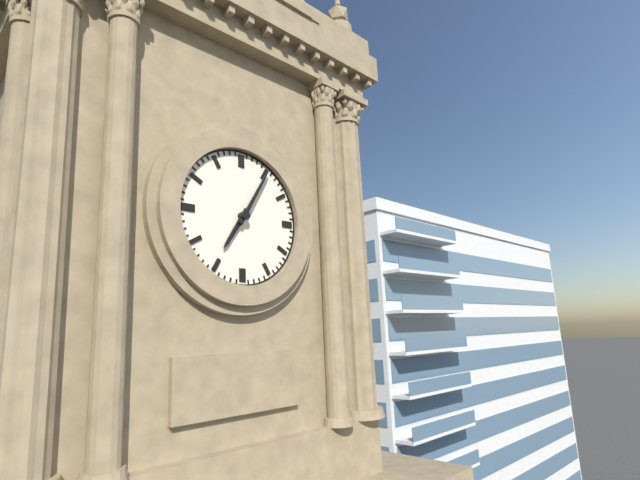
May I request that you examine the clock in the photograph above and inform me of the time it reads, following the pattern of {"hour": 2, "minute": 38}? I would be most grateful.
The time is {"hour": 7, "minute": 5}
